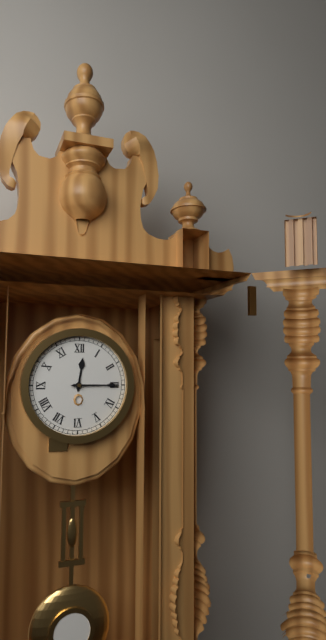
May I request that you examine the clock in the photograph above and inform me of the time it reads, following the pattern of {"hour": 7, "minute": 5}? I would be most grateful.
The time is {"hour": 12, "minute": 15}
